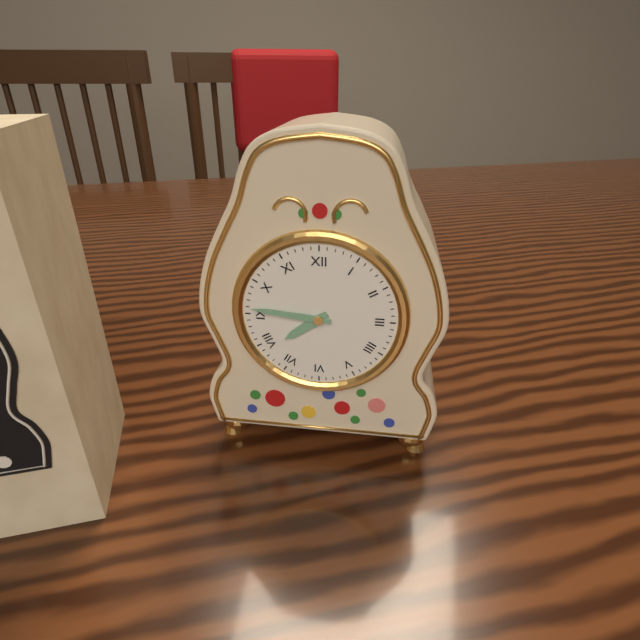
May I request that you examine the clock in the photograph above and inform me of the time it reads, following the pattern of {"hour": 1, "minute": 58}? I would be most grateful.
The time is {"hour": 7, "minute": 46}
